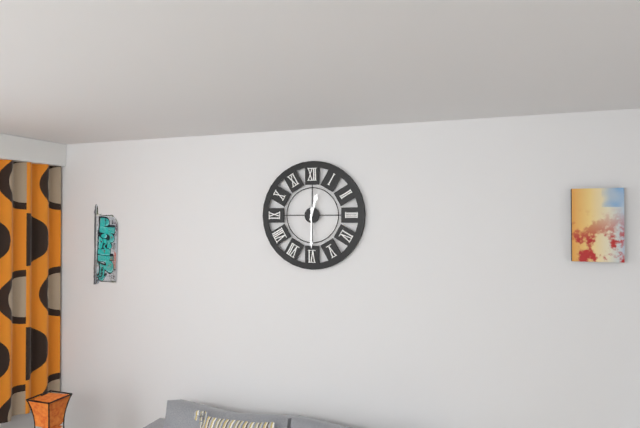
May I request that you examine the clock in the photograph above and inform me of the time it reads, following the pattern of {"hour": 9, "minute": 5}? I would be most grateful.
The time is {"hour": 12, "minute": 30}
